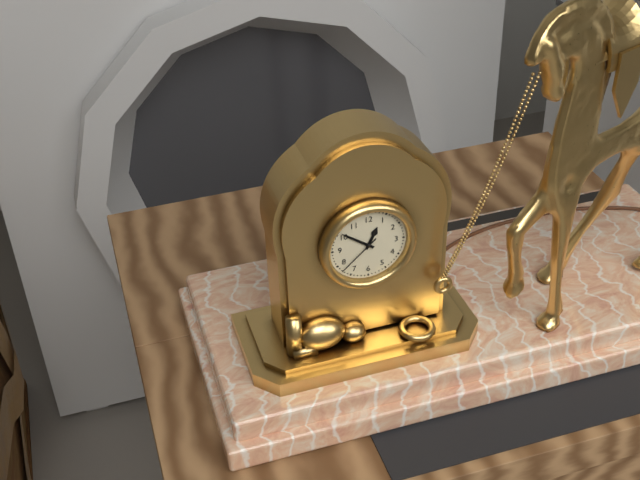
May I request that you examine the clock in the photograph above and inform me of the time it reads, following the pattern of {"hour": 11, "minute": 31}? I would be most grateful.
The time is {"hour": 12, "minute": 51}
